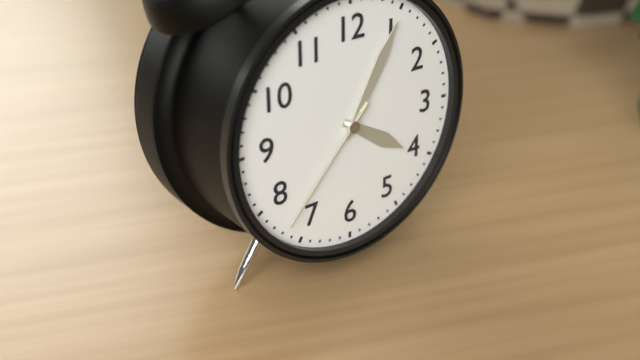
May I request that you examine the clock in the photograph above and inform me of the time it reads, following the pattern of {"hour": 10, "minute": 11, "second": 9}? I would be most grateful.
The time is {"hour": 4, "minute": 5, "second": 37}
